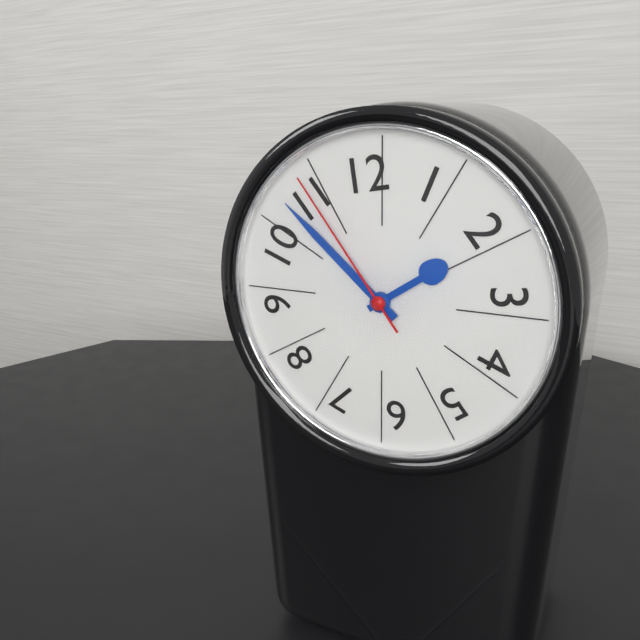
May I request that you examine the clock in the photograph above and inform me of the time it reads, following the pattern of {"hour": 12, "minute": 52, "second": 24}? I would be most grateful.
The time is {"hour": 1, "minute": 52, "second": 54}
